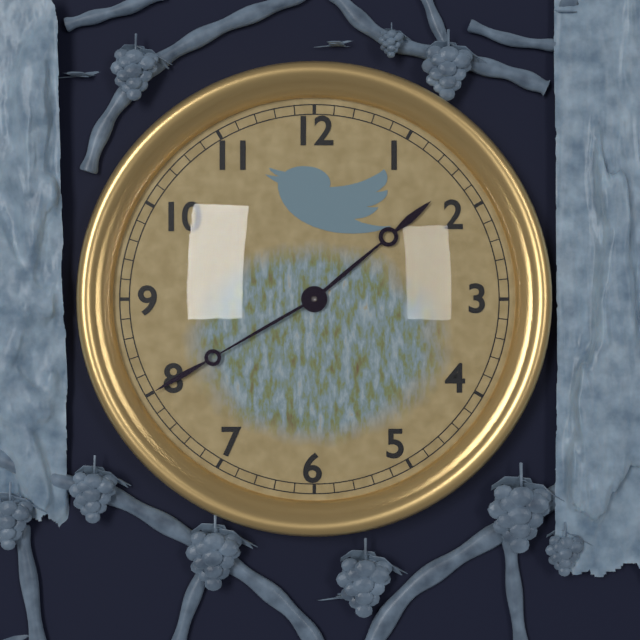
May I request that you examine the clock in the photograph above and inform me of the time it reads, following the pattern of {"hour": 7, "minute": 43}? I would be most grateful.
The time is {"hour": 1, "minute": 40}
